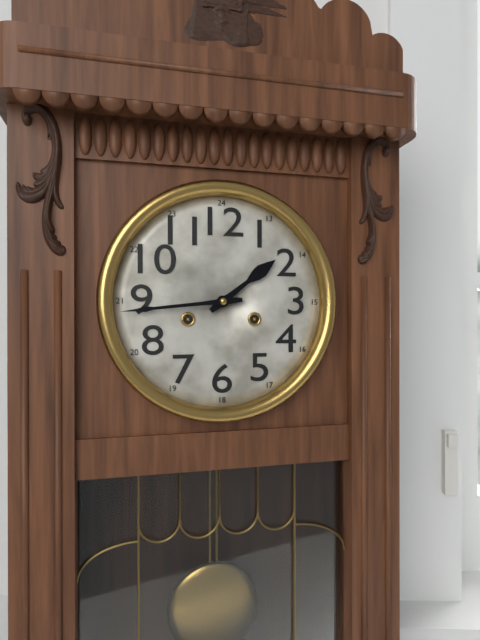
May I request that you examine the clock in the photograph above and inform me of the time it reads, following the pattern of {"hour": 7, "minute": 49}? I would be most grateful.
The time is {"hour": 1, "minute": 44}
